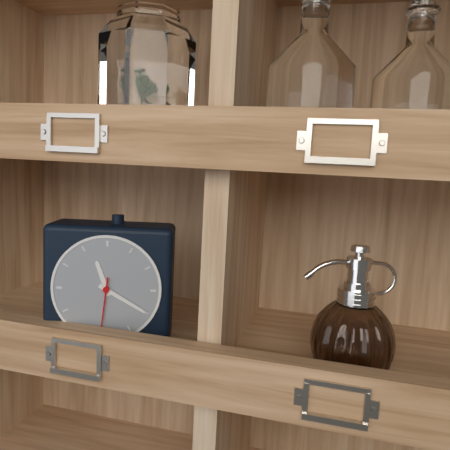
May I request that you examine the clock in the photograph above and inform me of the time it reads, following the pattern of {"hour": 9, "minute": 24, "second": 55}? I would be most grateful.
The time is {"hour": 11, "minute": 20, "second": 31}
